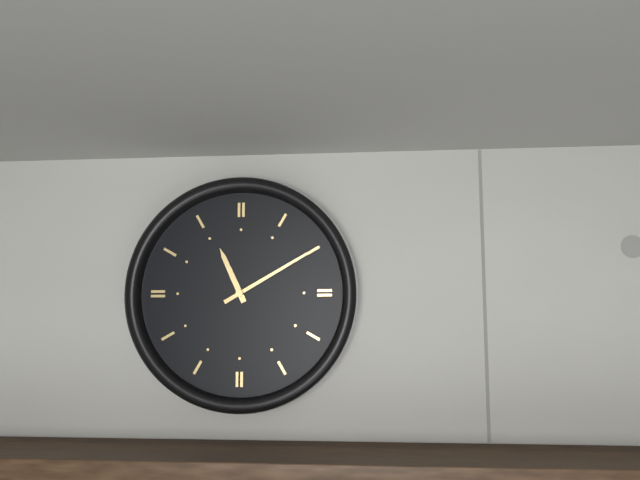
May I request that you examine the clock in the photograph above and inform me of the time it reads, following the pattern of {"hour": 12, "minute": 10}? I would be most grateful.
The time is {"hour": 11, "minute": 10}
